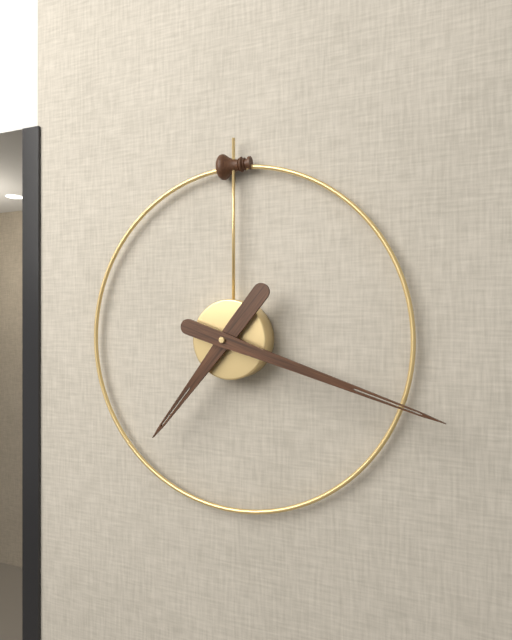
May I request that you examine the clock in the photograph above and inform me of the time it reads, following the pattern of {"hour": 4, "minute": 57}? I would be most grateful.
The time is {"hour": 7, "minute": 18}
